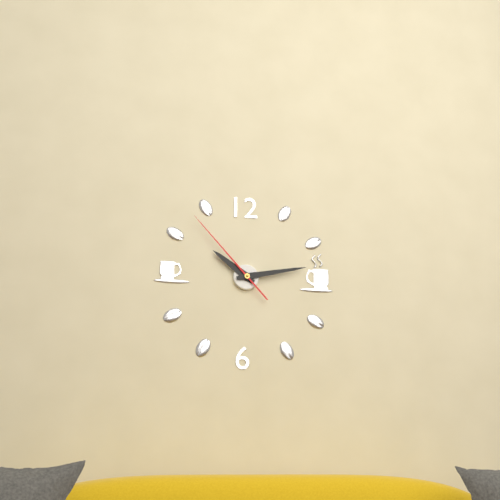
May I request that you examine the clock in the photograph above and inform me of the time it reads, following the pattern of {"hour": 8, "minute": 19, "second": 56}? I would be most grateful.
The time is {"hour": 10, "minute": 13, "second": 53}
